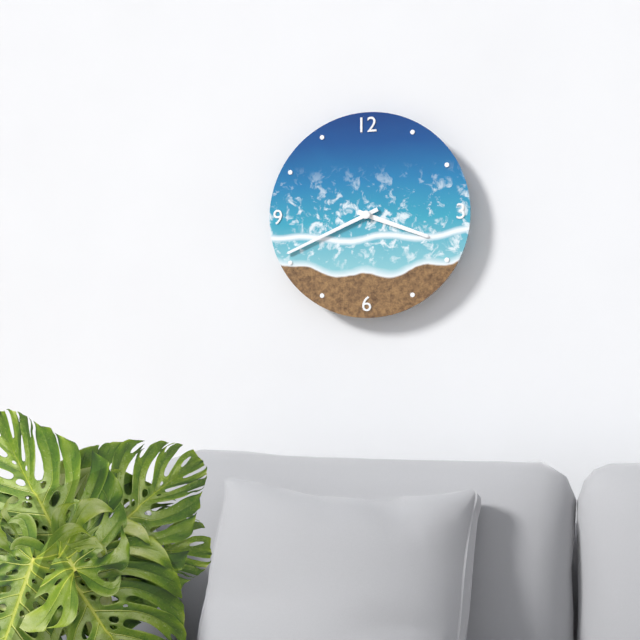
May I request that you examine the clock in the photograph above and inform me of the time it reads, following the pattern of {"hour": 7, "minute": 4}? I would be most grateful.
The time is {"hour": 3, "minute": 41}
